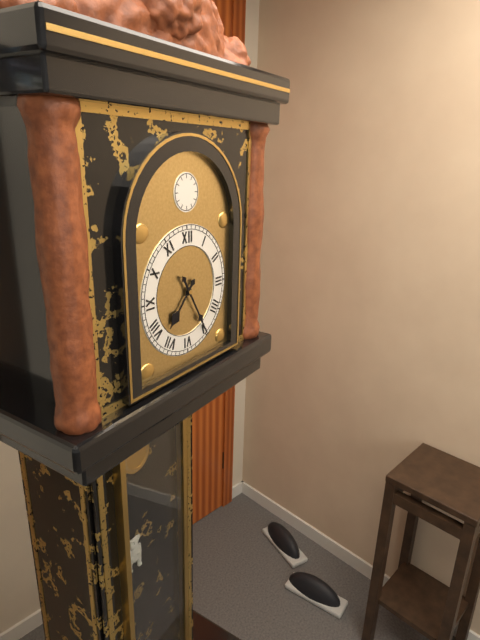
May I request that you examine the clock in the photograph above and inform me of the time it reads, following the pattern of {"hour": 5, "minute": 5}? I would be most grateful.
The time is {"hour": 7, "minute": 25}
